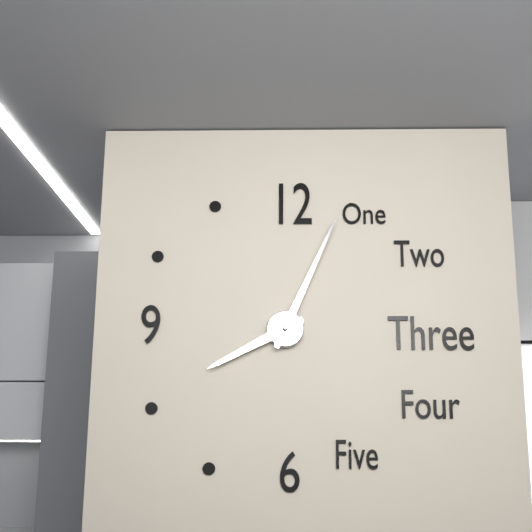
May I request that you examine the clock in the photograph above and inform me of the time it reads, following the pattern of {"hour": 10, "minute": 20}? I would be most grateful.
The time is {"hour": 8, "minute": 4}
